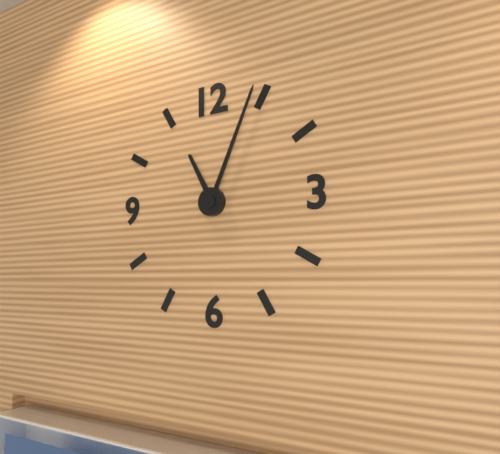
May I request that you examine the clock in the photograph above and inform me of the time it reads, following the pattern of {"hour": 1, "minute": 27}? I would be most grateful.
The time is {"hour": 11, "minute": 4}
